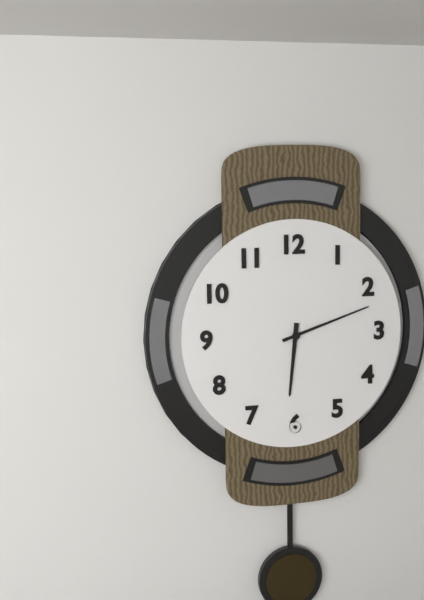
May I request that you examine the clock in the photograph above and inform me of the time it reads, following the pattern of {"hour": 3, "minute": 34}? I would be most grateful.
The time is {"hour": 6, "minute": 12}
